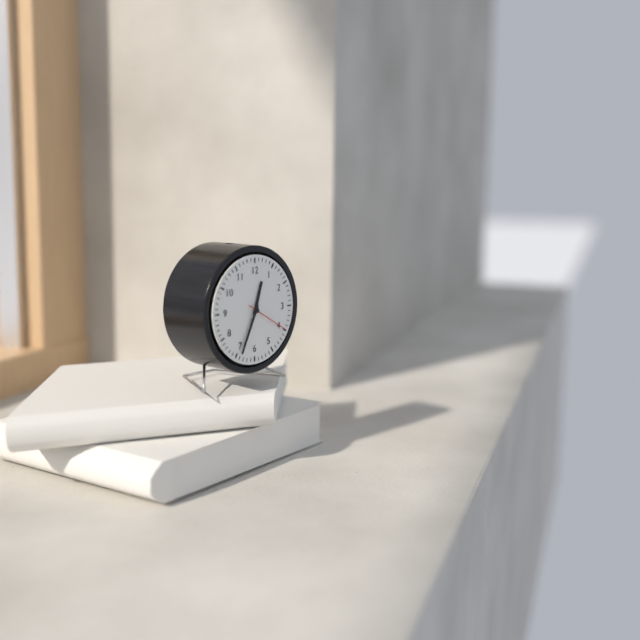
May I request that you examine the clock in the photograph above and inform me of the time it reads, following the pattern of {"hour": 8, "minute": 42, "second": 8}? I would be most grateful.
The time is {"hour": 12, "minute": 34, "second": 20}
